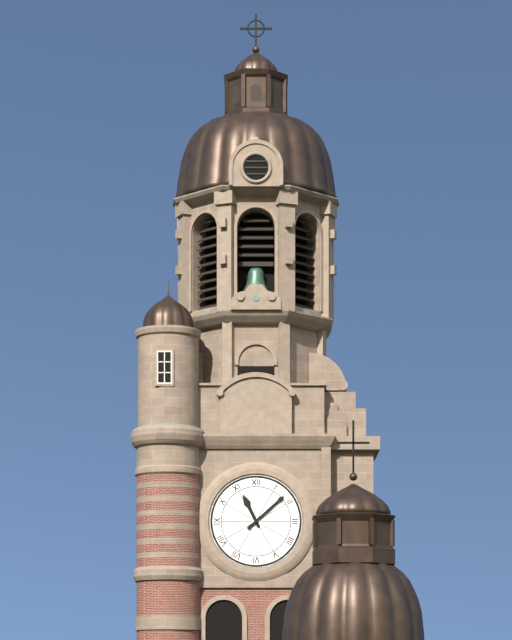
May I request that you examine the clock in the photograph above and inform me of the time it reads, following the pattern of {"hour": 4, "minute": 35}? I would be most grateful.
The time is {"hour": 11, "minute": 8}
